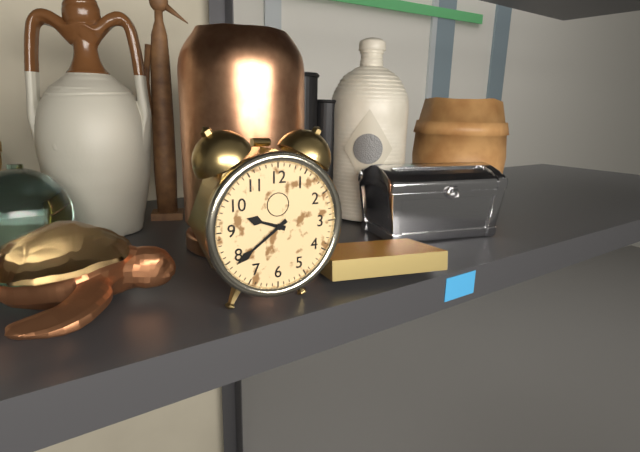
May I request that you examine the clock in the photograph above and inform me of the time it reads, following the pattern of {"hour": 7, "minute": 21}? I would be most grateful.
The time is {"hour": 9, "minute": 39}
